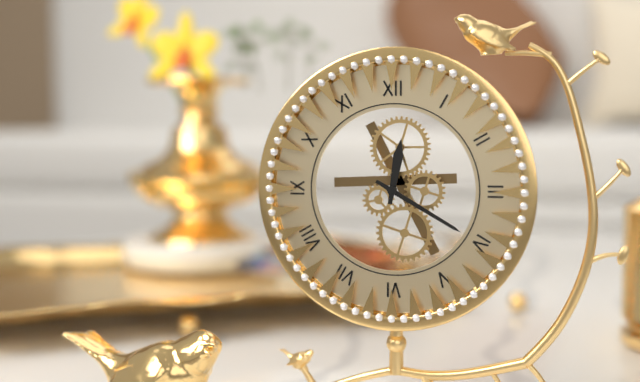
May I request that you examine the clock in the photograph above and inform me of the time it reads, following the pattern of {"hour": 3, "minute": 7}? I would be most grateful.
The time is {"hour": 12, "minute": 20}
